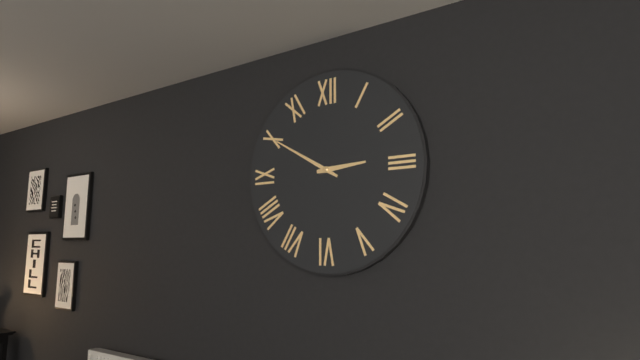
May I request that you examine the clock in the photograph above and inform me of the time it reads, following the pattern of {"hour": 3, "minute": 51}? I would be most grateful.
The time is {"hour": 2, "minute": 50}
